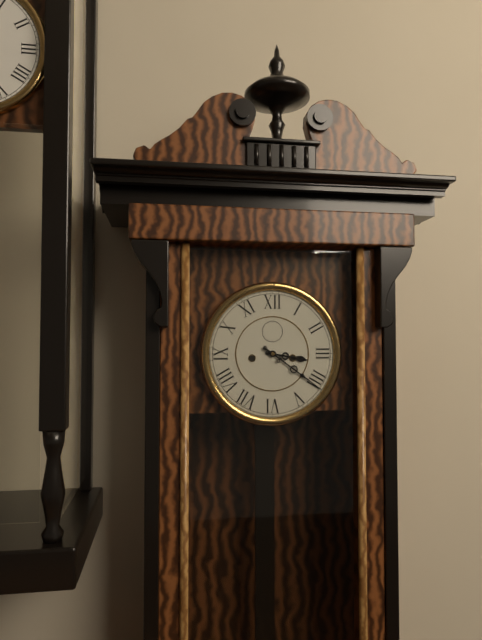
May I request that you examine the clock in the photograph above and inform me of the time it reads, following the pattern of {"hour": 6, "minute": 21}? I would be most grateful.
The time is {"hour": 3, "minute": 21}
